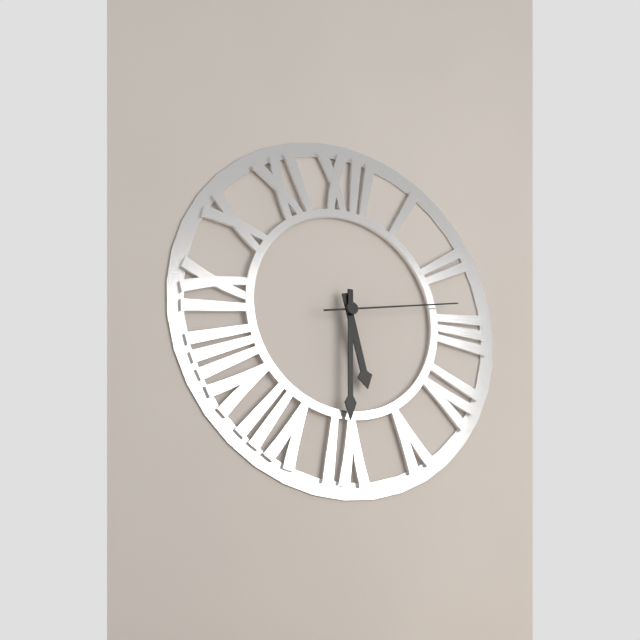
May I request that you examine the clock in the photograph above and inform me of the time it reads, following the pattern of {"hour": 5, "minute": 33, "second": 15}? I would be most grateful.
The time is {"hour": 5, "minute": 30, "second": 13}
